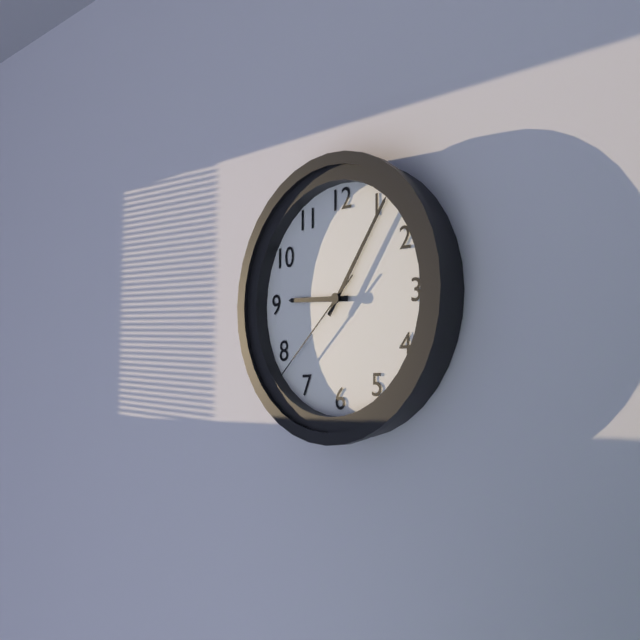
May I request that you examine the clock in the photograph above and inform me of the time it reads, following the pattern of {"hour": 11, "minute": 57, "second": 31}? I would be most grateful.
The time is {"hour": 9, "minute": 6, "second": 38}
